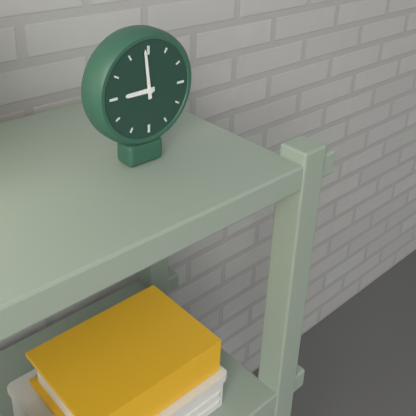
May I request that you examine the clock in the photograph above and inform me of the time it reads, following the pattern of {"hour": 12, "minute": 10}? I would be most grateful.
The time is {"hour": 8, "minute": 59}
